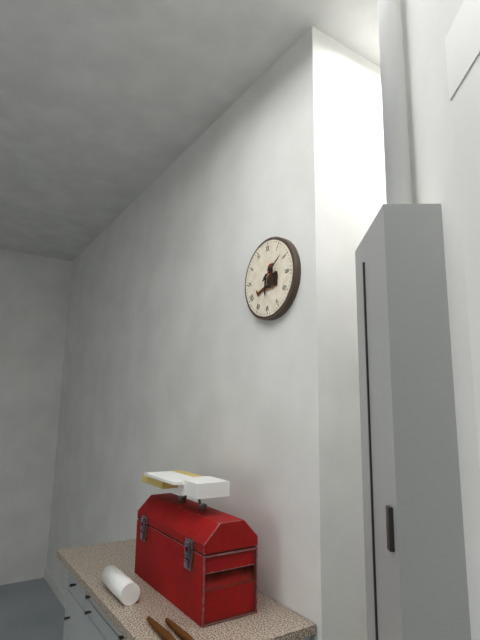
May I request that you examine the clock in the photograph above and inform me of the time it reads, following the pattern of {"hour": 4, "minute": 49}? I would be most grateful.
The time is {"hour": 6, "minute": 9}
